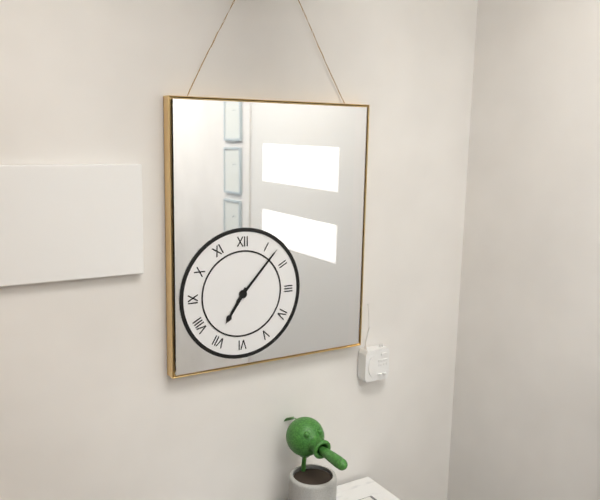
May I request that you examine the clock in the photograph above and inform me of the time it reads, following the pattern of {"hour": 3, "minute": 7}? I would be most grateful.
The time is {"hour": 7, "minute": 7}
